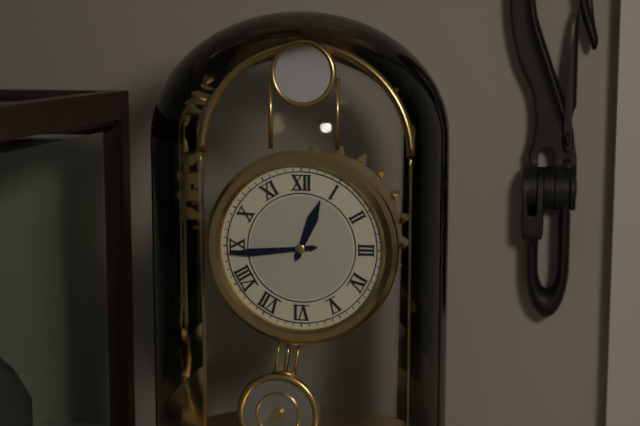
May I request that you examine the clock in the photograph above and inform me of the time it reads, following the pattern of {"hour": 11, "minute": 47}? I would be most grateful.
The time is {"hour": 12, "minute": 44}
